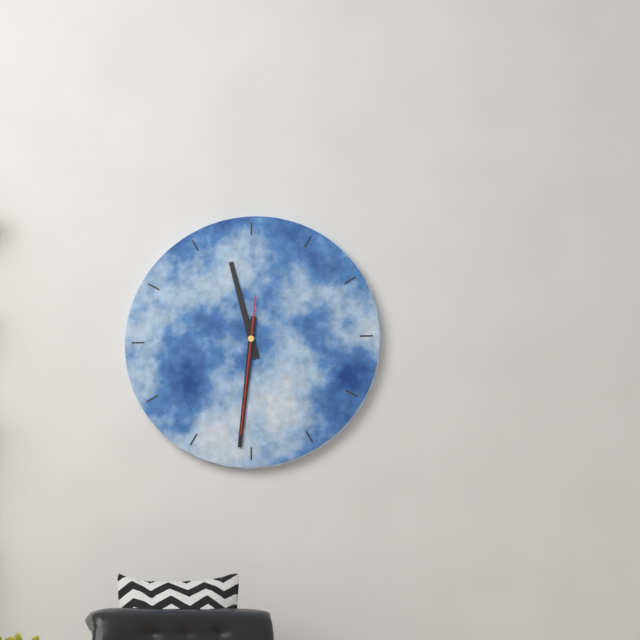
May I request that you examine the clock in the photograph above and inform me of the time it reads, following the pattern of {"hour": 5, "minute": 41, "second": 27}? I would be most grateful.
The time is {"hour": 11, "minute": 31, "second": 31}
